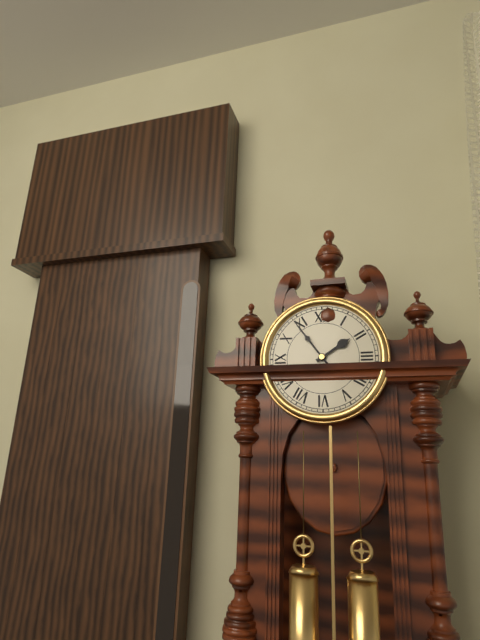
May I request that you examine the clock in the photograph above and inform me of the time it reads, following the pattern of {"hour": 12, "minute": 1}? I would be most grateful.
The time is {"hour": 1, "minute": 54}
